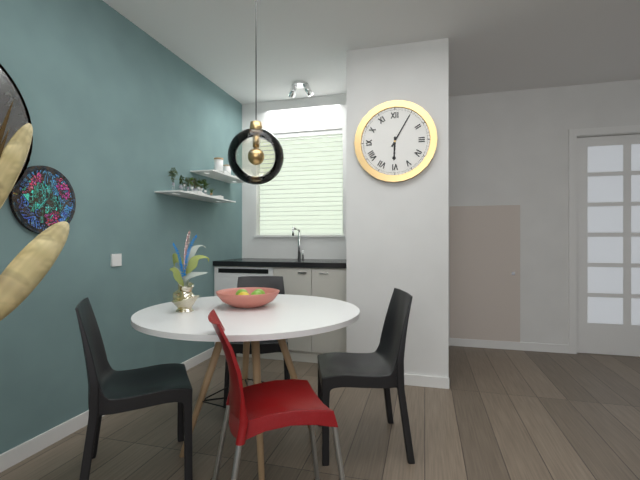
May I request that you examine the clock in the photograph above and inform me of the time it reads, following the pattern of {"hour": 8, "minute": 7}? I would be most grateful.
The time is {"hour": 6, "minute": 5}
